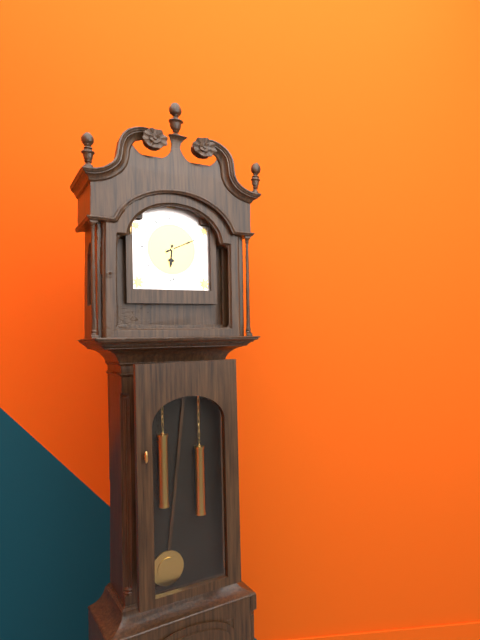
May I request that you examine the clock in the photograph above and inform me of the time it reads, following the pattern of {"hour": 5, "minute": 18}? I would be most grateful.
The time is {"hour": 6, "minute": 11}
